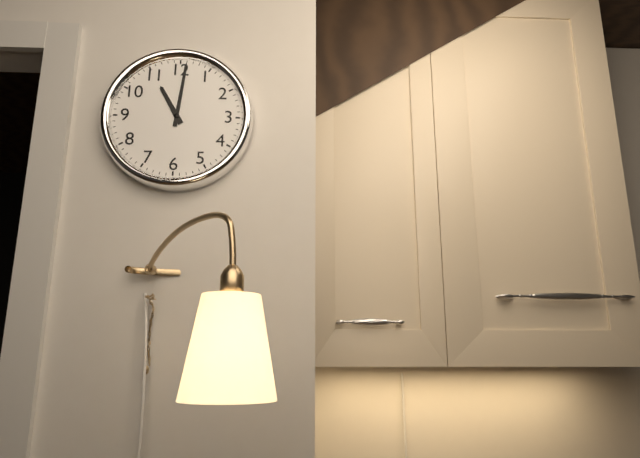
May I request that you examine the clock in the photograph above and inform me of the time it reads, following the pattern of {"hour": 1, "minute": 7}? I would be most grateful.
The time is {"hour": 11, "minute": 1}
